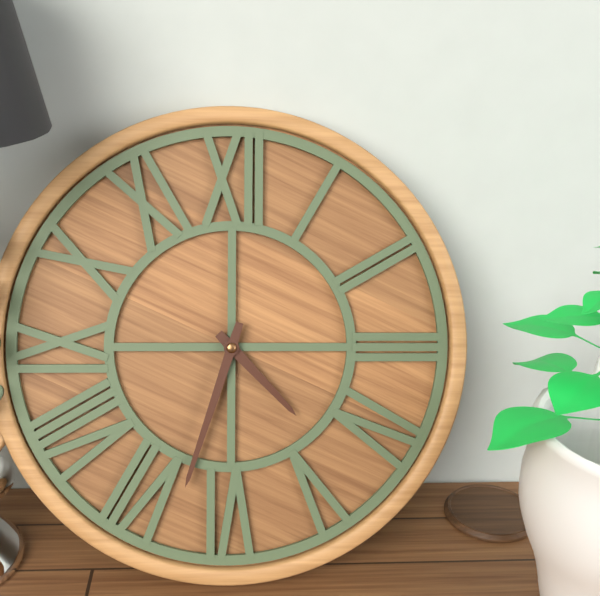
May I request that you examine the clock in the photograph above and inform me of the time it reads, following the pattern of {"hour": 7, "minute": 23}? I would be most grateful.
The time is {"hour": 4, "minute": 33}
